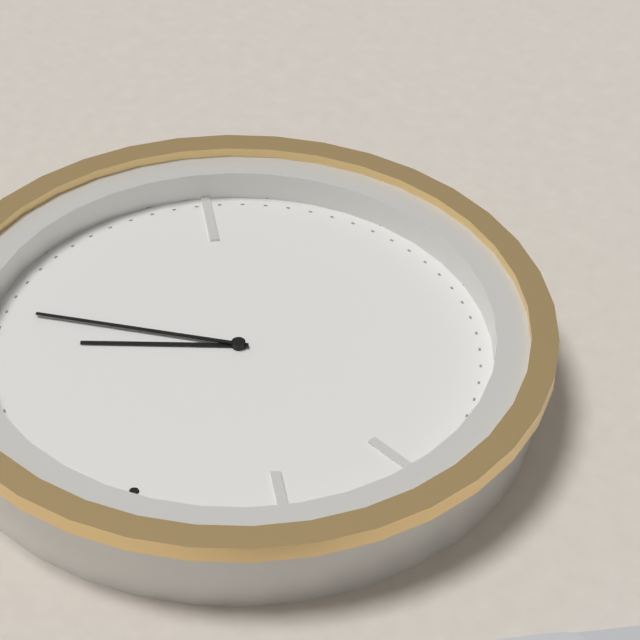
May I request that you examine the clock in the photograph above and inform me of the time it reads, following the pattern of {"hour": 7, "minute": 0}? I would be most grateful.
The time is {"hour": 2, "minute": 13}
